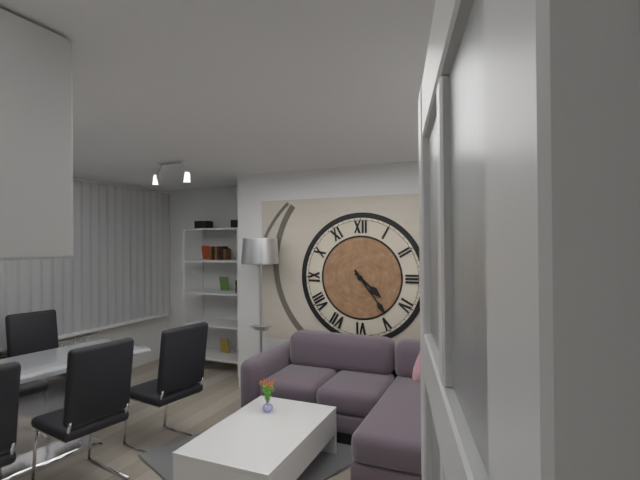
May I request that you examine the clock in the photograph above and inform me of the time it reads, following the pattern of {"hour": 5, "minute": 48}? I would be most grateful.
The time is {"hour": 4, "minute": 24}
